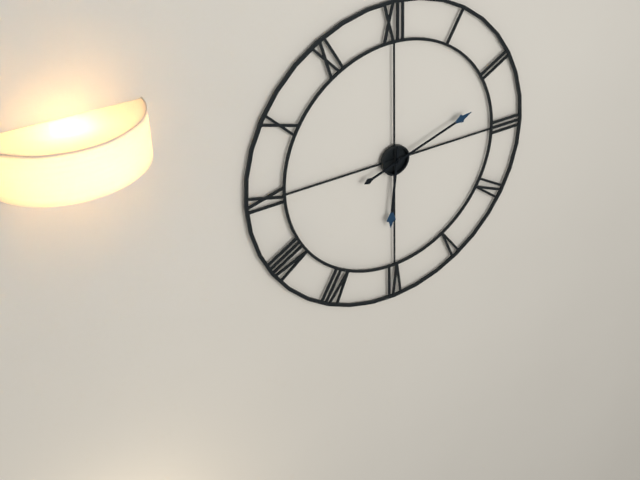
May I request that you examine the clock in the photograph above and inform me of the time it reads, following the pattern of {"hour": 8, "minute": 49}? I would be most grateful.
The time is {"hour": 6, "minute": 12}
